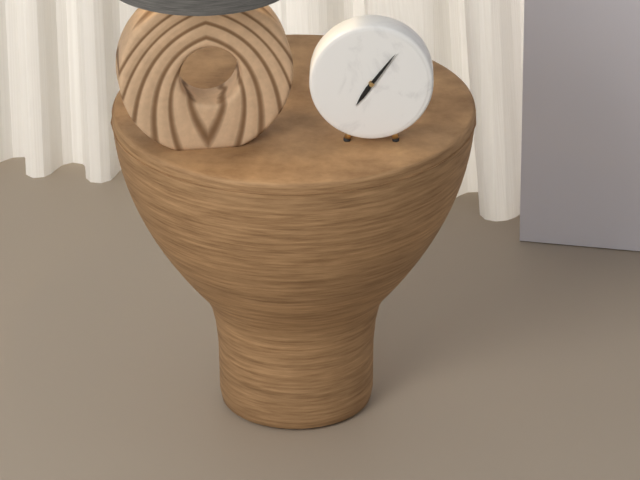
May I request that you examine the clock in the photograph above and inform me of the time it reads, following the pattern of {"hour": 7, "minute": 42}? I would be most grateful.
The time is {"hour": 7, "minute": 6}
